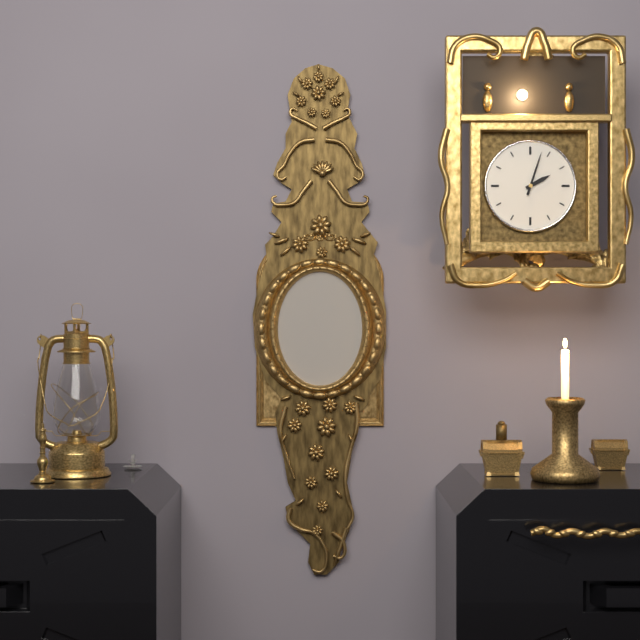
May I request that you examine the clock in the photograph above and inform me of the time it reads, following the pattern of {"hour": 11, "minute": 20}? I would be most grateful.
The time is {"hour": 2, "minute": 3}
